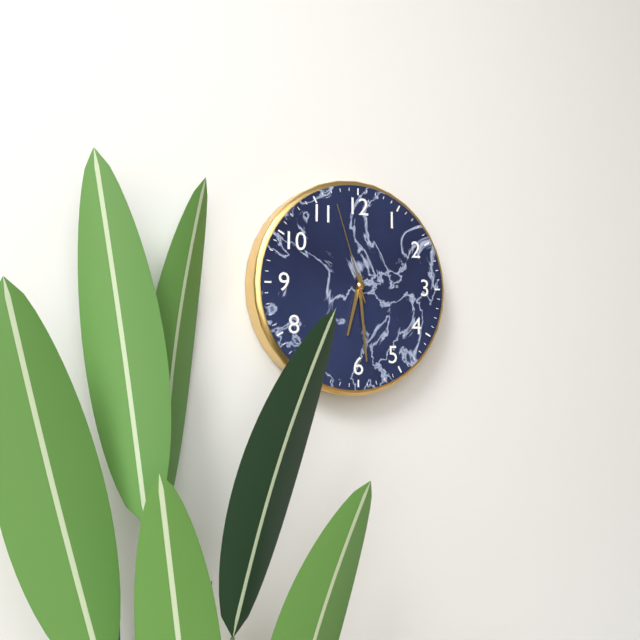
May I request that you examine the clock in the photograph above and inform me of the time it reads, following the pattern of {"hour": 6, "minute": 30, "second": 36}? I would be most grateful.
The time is {"hour": 6, "minute": 29, "second": 57}
